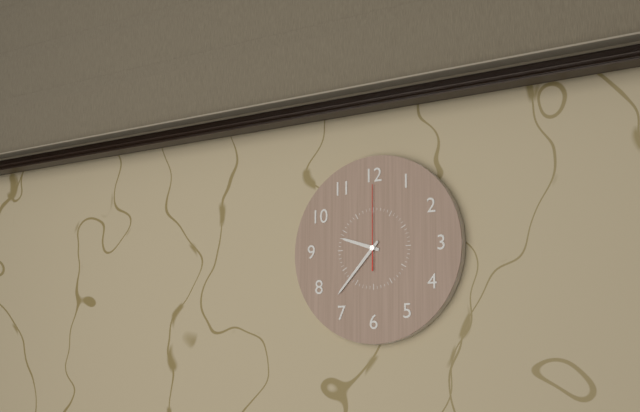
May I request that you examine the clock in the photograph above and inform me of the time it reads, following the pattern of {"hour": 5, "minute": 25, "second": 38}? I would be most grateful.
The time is {"hour": 9, "minute": 37, "second": 0}
